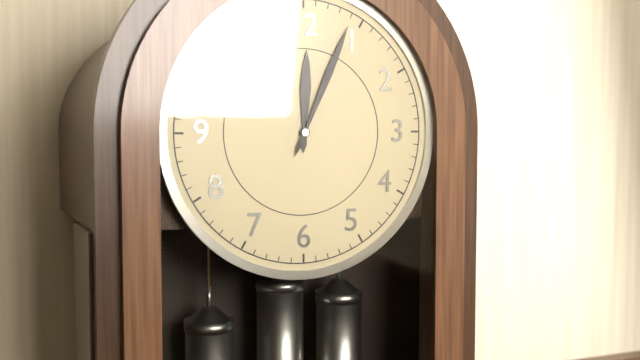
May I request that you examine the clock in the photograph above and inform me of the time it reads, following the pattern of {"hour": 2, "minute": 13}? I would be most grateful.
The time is {"hour": 12, "minute": 4}
